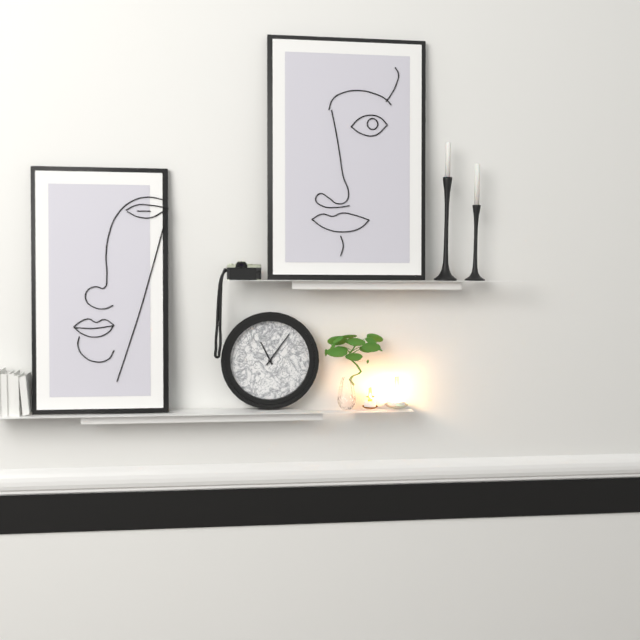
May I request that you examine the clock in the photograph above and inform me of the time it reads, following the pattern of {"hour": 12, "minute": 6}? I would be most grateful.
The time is {"hour": 11, "minute": 6}
